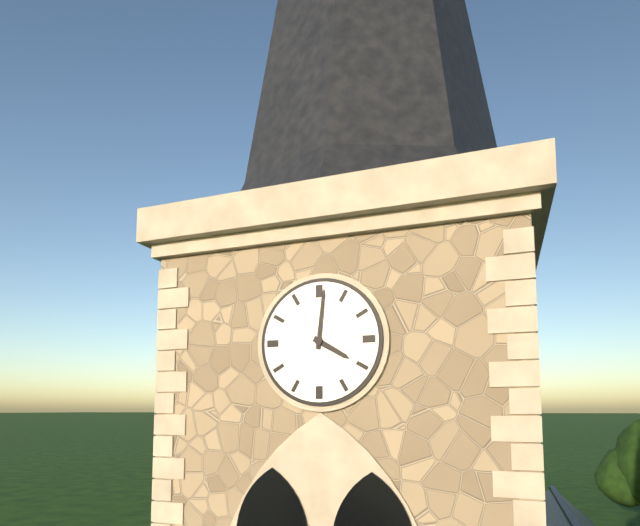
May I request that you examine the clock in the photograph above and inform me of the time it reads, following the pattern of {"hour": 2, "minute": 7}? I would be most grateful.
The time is {"hour": 4, "minute": 1}
